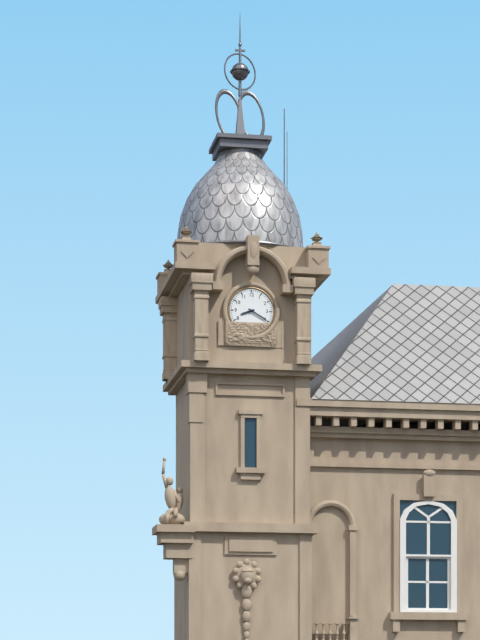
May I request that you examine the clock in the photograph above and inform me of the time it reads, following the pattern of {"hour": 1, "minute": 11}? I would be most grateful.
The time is {"hour": 8, "minute": 20}
